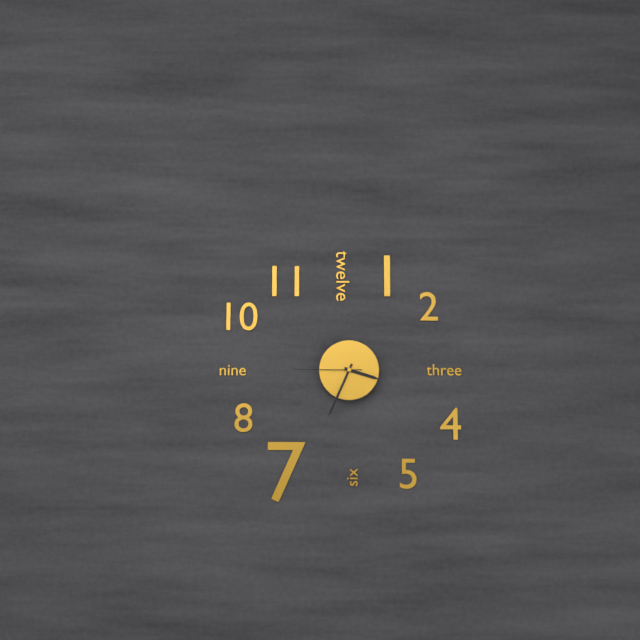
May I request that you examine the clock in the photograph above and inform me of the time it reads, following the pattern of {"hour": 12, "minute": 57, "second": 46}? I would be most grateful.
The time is {"hour": 3, "minute": 34, "second": 45}
